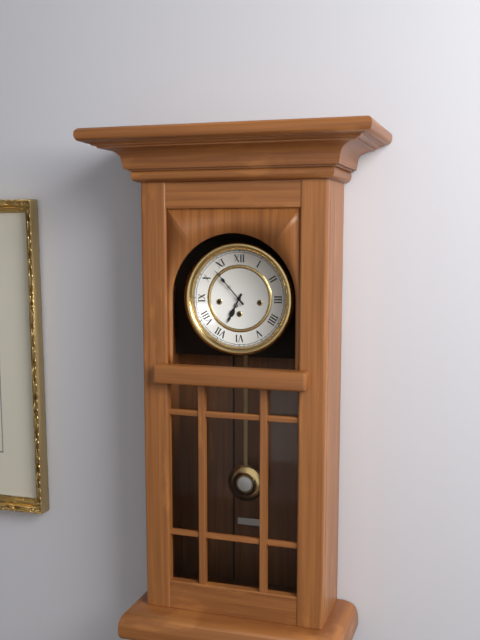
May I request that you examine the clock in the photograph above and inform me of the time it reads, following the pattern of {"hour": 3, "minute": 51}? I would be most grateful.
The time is {"hour": 6, "minute": 53}
